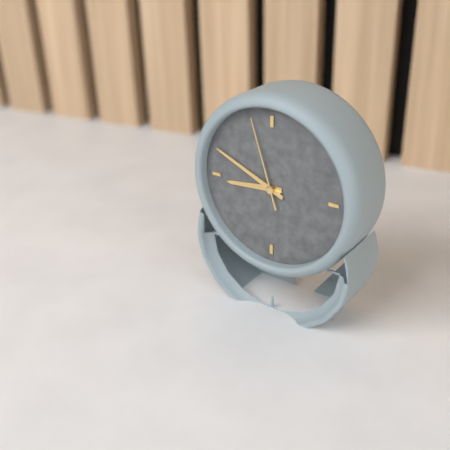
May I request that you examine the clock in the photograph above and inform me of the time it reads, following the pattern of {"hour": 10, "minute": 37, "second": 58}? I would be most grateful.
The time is {"hour": 8, "minute": 49, "second": 57}
